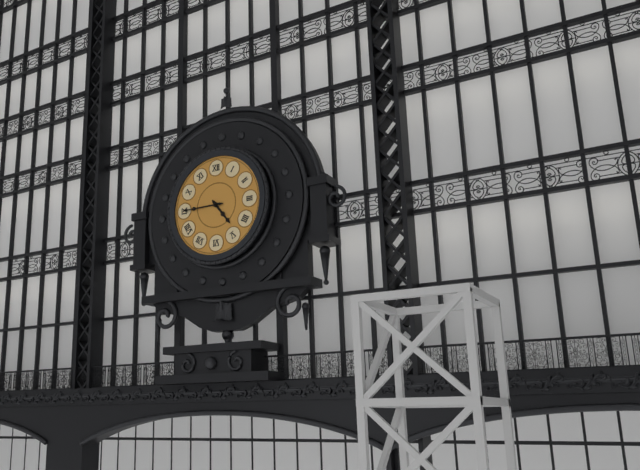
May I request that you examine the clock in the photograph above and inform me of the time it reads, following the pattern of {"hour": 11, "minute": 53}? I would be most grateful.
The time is {"hour": 4, "minute": 45}
